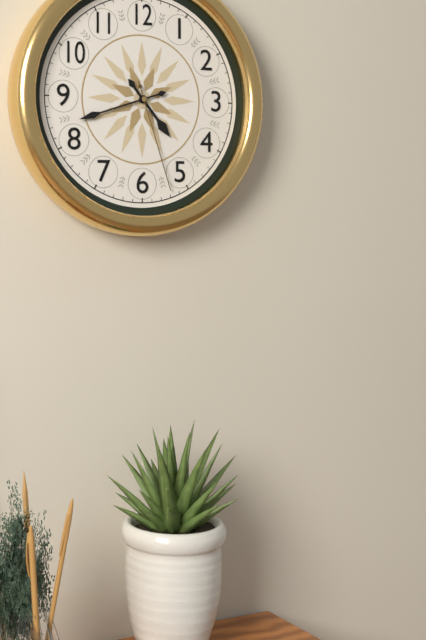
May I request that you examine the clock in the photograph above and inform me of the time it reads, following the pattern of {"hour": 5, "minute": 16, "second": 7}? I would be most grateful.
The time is {"hour": 4, "minute": 42, "second": 27}
